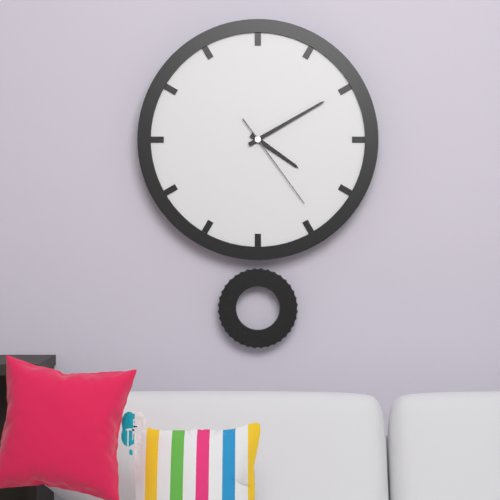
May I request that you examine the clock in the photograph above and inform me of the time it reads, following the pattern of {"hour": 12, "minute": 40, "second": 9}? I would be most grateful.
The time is {"hour": 4, "minute": 10, "second": 24}
